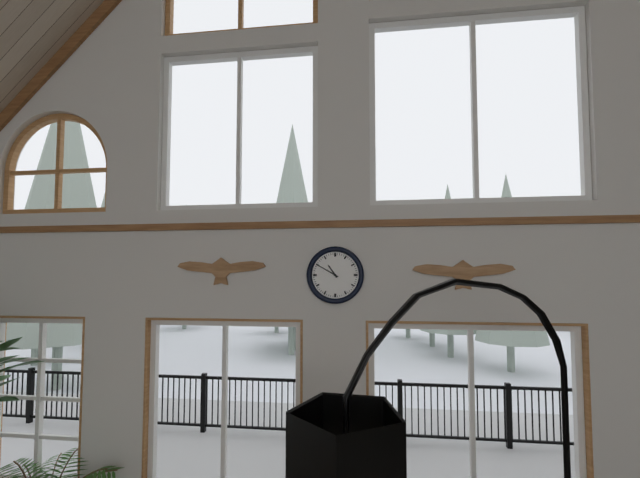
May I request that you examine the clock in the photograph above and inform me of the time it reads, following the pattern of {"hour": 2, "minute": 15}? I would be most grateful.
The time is {"hour": 10, "minute": 50}
